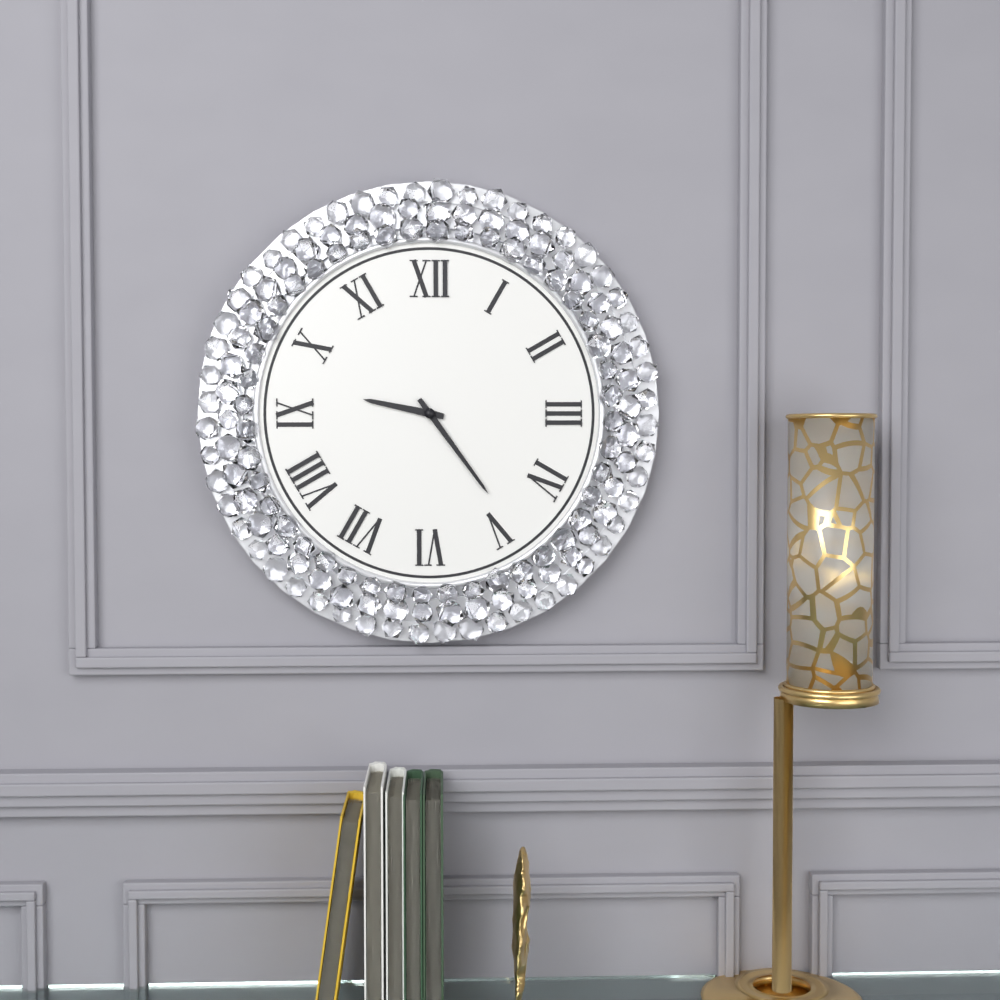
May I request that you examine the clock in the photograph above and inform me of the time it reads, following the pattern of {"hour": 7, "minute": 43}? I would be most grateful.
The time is {"hour": 9, "minute": 24}
